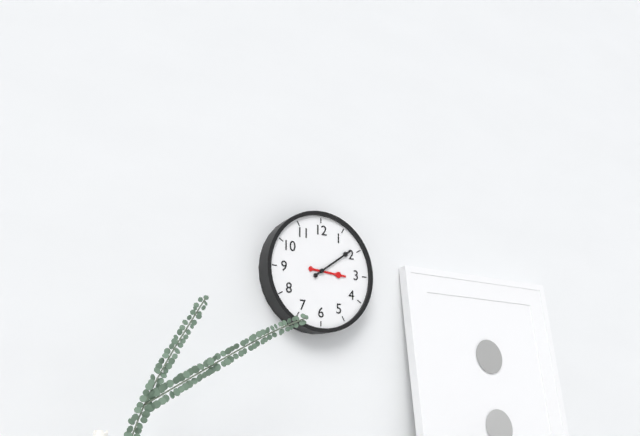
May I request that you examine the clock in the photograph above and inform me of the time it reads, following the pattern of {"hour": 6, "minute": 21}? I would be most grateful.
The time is {"hour": 3, "minute": 9}
